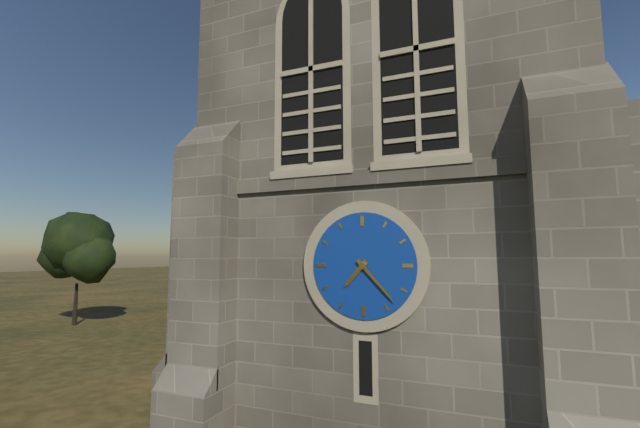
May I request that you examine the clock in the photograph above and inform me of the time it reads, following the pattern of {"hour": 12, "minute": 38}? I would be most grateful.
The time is {"hour": 7, "minute": 23}
